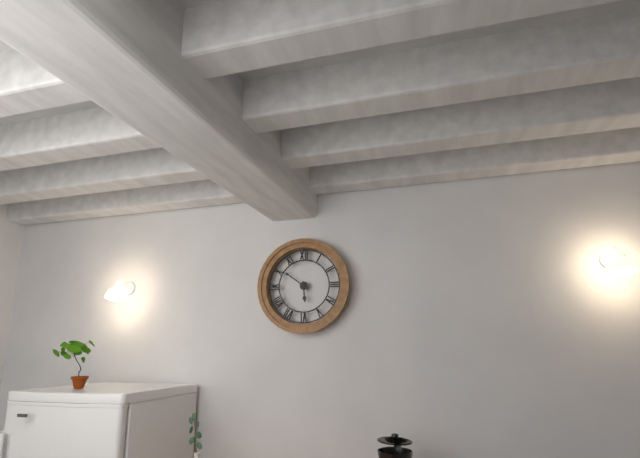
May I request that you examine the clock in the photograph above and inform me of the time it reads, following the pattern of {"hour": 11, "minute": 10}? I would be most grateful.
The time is {"hour": 5, "minute": 51}
